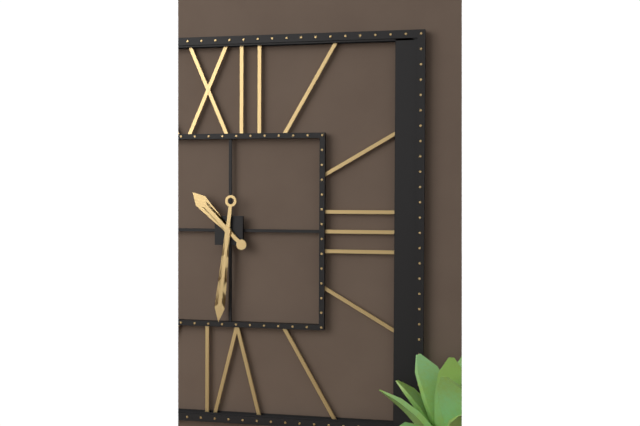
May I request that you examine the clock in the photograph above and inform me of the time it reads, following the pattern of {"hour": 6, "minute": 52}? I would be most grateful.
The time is {"hour": 10, "minute": 31}
